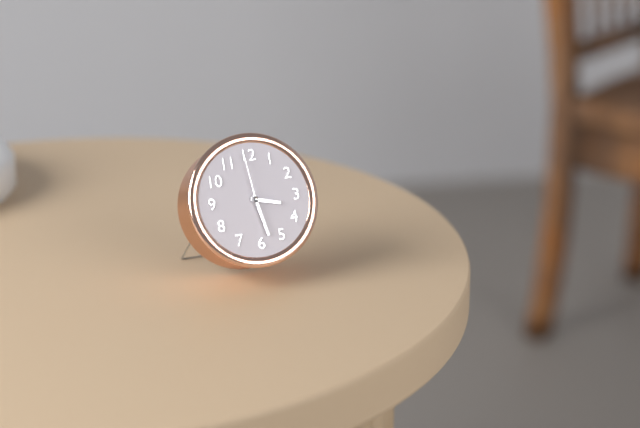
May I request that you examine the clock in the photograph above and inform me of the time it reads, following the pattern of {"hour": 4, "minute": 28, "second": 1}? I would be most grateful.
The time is {"hour": 3, "minute": 28, "second": 59}
